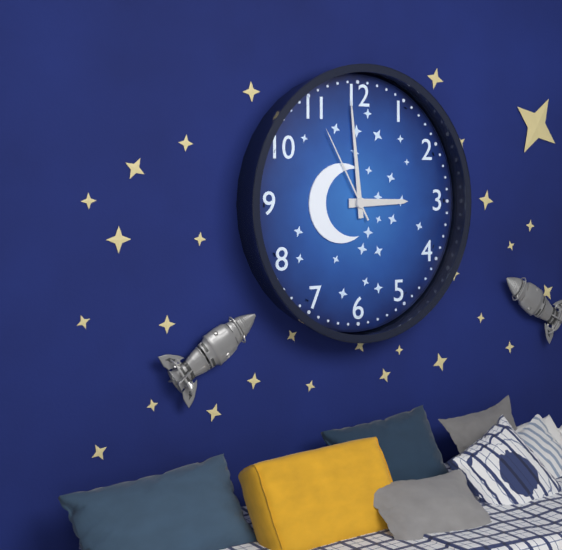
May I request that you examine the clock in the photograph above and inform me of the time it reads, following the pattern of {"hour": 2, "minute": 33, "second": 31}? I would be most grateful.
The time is {"hour": 2, "minute": 59, "second": 55}
